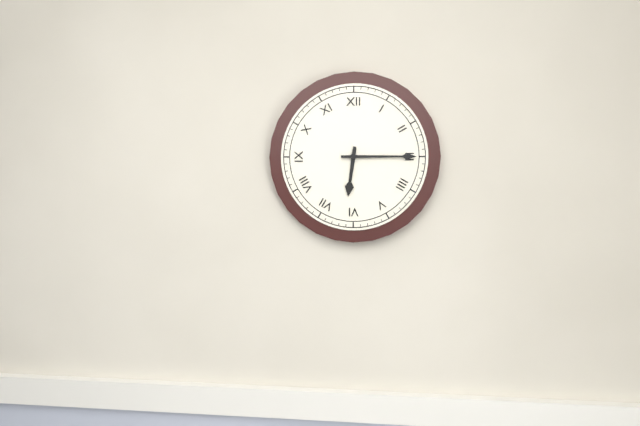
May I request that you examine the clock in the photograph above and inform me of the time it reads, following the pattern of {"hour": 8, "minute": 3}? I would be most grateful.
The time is {"hour": 6, "minute": 15}
